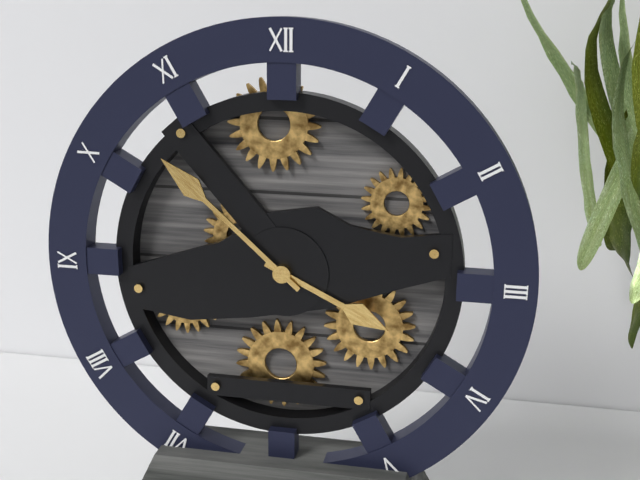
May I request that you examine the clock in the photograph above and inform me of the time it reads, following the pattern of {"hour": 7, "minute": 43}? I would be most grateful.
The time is {"hour": 3, "minute": 52}
